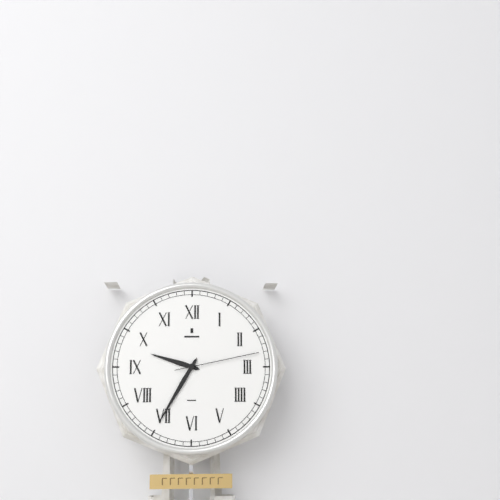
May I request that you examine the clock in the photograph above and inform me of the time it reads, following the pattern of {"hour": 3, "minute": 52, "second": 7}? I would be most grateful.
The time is {"hour": 9, "minute": 35, "second": 13}
